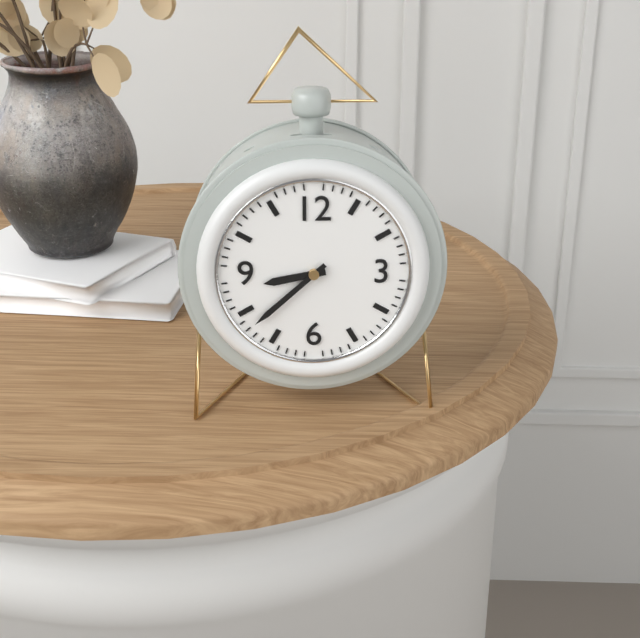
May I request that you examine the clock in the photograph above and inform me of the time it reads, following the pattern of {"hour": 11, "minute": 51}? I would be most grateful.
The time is {"hour": 8, "minute": 38}
